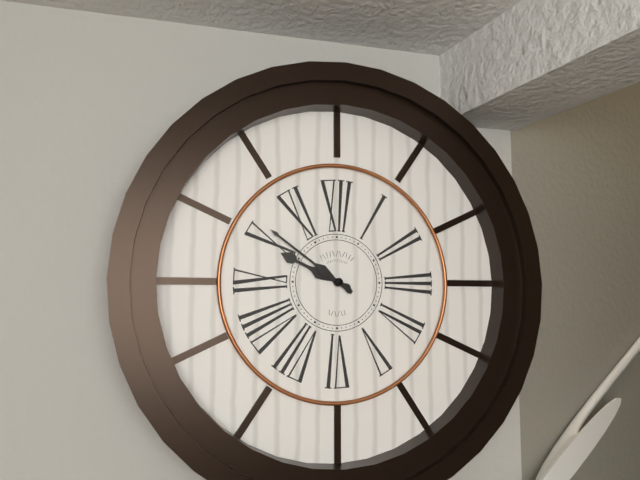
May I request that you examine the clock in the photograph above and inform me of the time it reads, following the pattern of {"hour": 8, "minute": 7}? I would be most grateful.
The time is {"hour": 9, "minute": 51}
